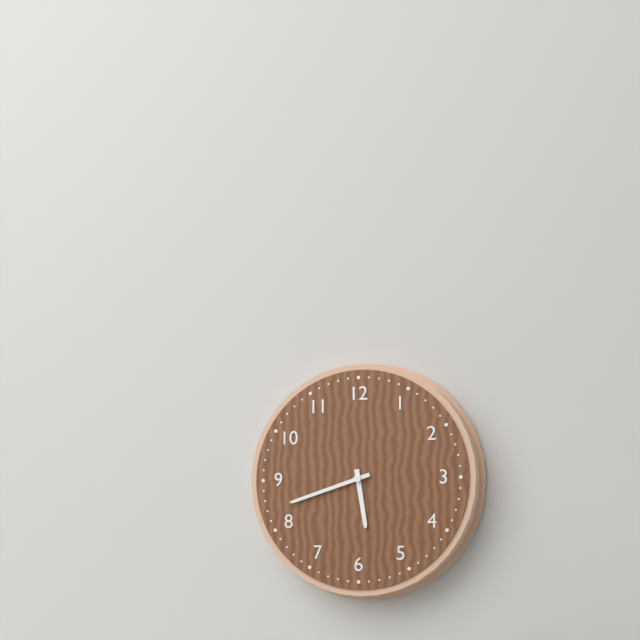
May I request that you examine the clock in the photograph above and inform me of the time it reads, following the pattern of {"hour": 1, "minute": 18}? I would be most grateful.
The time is {"hour": 5, "minute": 42}
